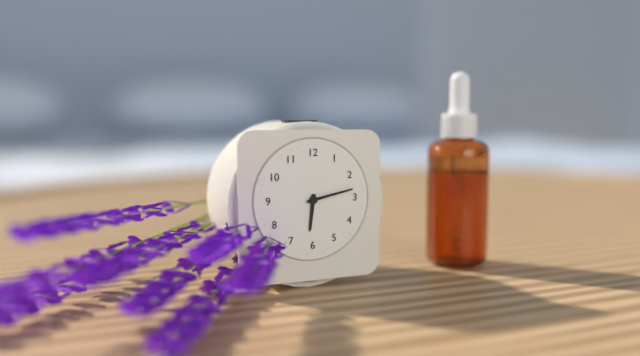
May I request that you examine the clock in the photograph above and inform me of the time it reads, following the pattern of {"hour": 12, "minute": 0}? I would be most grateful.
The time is {"hour": 6, "minute": 13}
